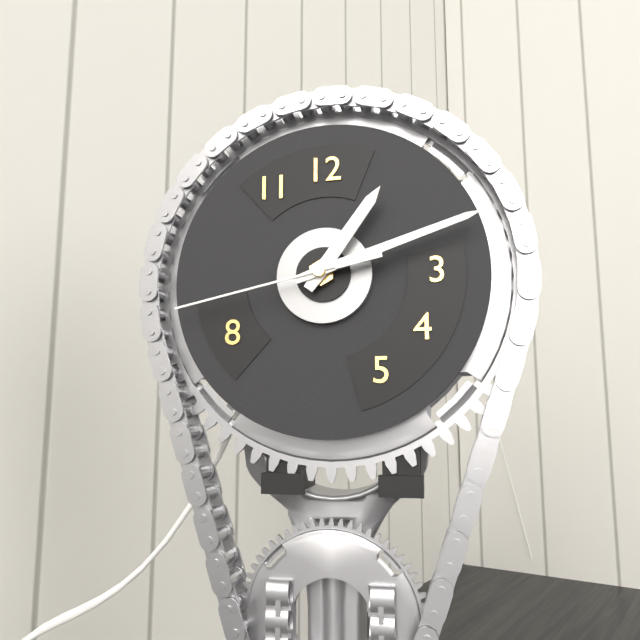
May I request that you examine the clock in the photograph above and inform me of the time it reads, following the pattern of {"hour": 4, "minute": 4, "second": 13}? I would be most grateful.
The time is {"hour": 1, "minute": 12, "second": 43}
